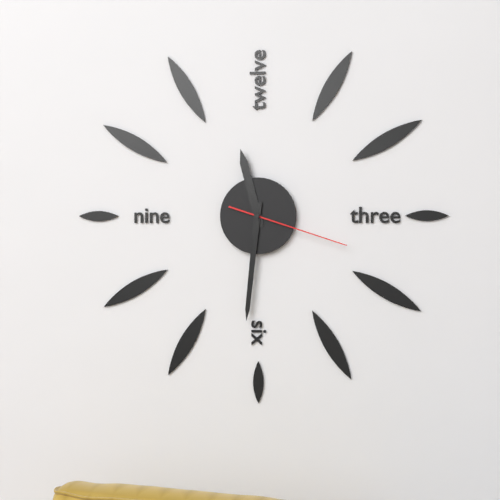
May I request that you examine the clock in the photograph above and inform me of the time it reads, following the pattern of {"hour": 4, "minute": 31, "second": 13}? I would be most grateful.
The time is {"hour": 11, "minute": 31, "second": 18}
